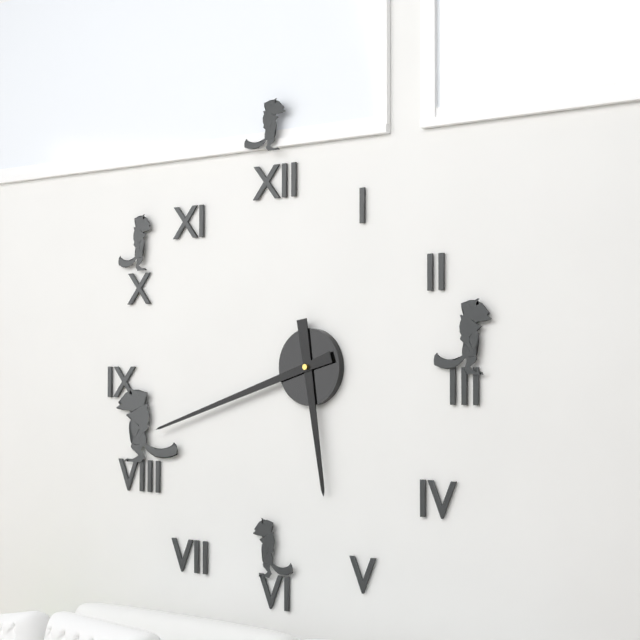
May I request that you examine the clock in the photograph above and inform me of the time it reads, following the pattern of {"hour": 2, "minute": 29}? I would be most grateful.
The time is {"hour": 5, "minute": 42}
